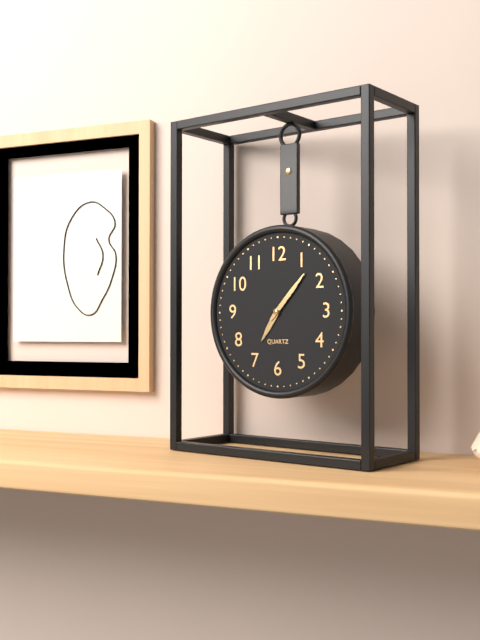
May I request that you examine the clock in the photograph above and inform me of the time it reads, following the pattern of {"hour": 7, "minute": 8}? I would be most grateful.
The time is {"hour": 7, "minute": 7}
